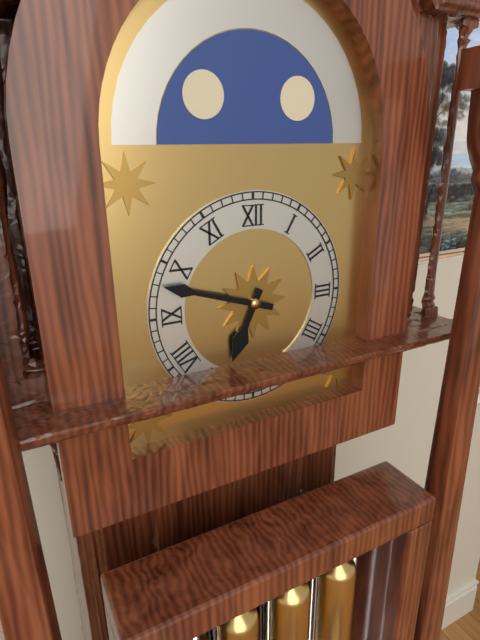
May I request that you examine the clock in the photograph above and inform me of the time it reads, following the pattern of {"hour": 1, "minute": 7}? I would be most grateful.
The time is {"hour": 6, "minute": 48}
